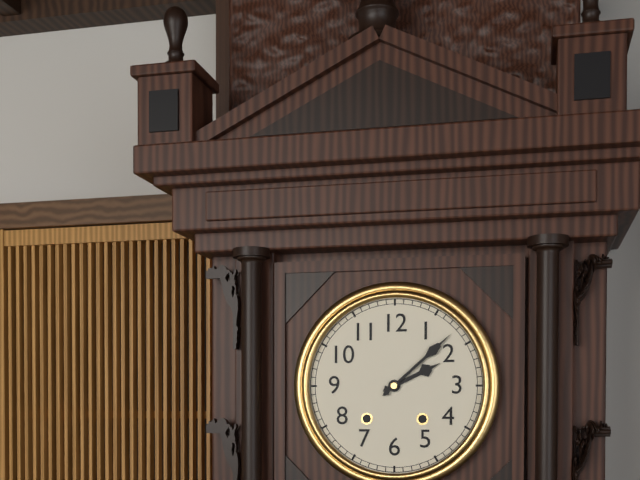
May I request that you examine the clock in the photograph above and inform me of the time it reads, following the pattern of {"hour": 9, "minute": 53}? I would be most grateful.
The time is {"hour": 2, "minute": 8}
